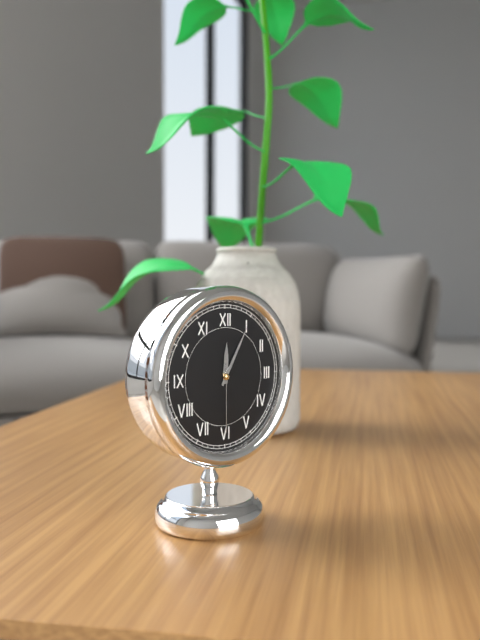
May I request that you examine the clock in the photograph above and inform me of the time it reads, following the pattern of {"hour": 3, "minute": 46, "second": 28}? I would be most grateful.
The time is {"hour": 12, "minute": 5, "second": 30}
